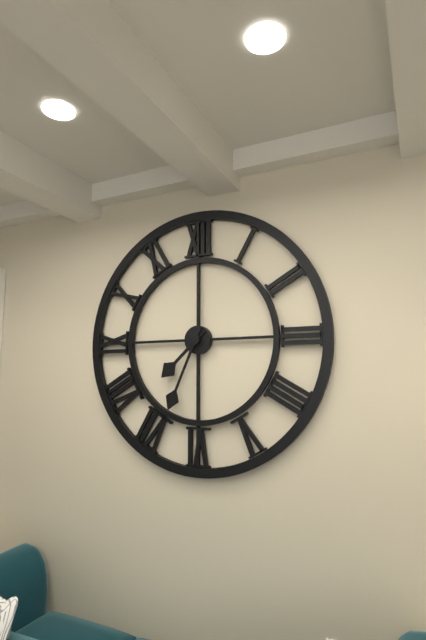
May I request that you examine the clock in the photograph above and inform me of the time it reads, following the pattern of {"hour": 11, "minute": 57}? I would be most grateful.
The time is {"hour": 7, "minute": 34}
